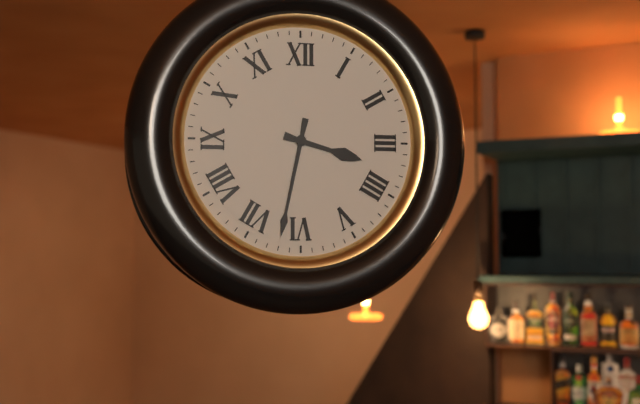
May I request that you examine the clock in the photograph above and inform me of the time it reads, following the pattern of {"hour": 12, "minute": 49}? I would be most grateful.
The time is {"hour": 3, "minute": 32}
